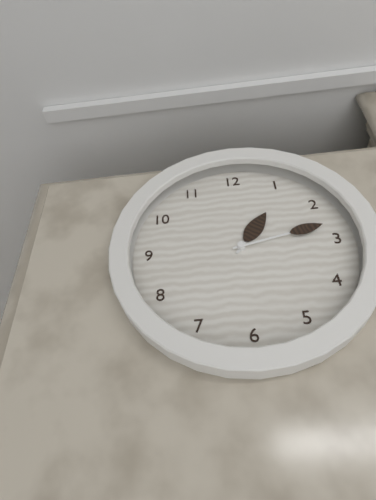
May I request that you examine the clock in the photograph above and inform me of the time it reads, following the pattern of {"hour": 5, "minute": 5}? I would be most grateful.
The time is {"hour": 1, "minute": 13}
